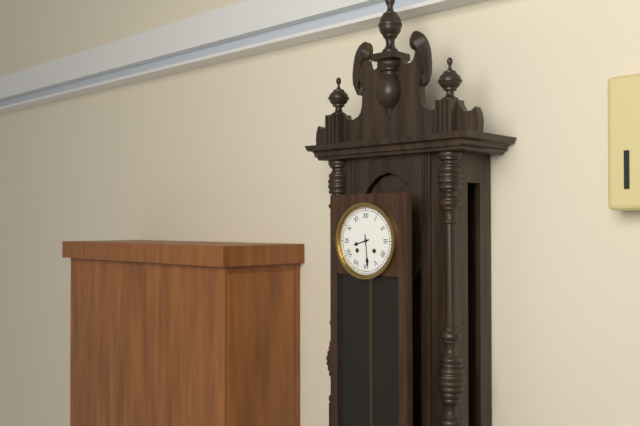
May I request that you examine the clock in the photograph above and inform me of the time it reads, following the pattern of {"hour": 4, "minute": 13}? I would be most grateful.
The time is {"hour": 8, "minute": 29}
